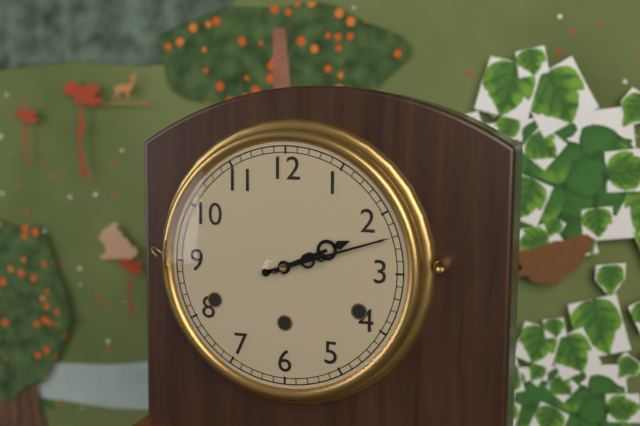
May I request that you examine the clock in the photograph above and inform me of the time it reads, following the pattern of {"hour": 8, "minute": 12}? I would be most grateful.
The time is {"hour": 2, "minute": 12}
